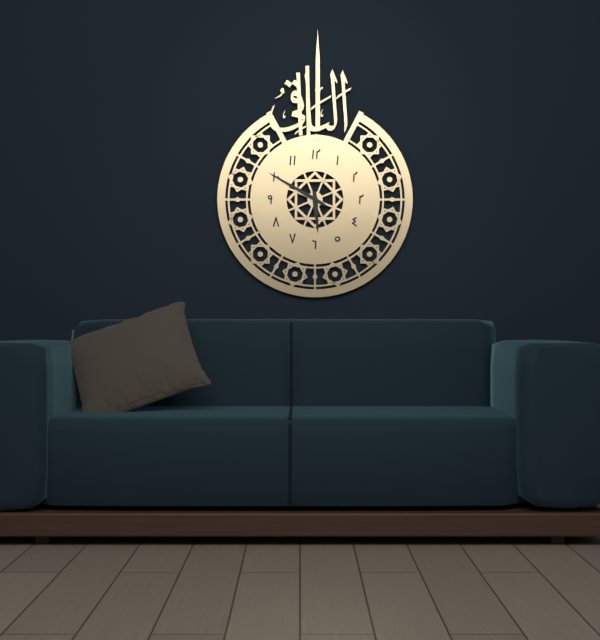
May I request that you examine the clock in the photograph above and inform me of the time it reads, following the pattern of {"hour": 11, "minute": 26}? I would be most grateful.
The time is {"hour": 5, "minute": 50}
